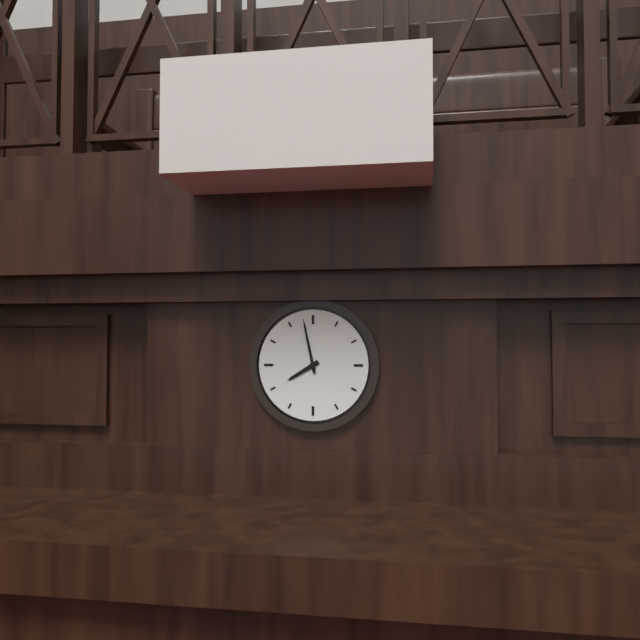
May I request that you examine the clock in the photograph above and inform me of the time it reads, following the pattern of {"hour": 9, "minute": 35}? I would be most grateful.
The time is {"hour": 7, "minute": 58}
